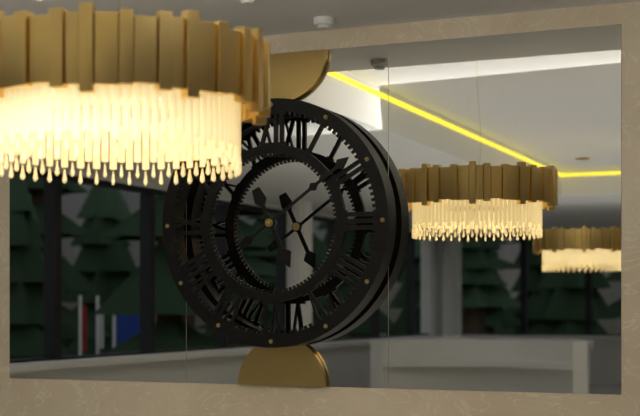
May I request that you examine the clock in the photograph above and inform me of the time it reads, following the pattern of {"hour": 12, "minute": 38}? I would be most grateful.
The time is {"hour": 5, "minute": 9}
